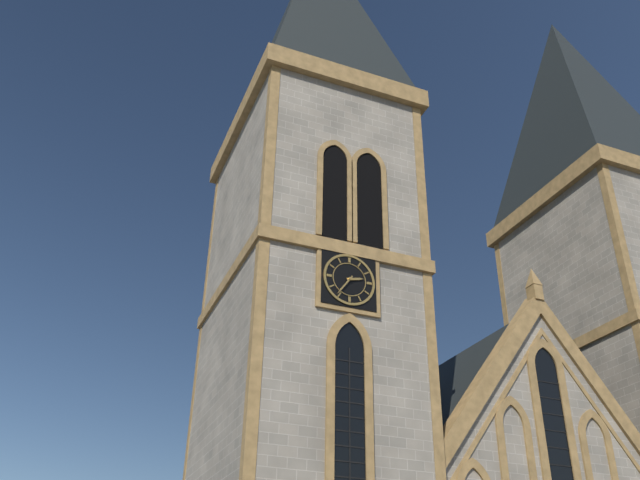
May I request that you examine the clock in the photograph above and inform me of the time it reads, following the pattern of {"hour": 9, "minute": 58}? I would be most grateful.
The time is {"hour": 2, "minute": 36}
